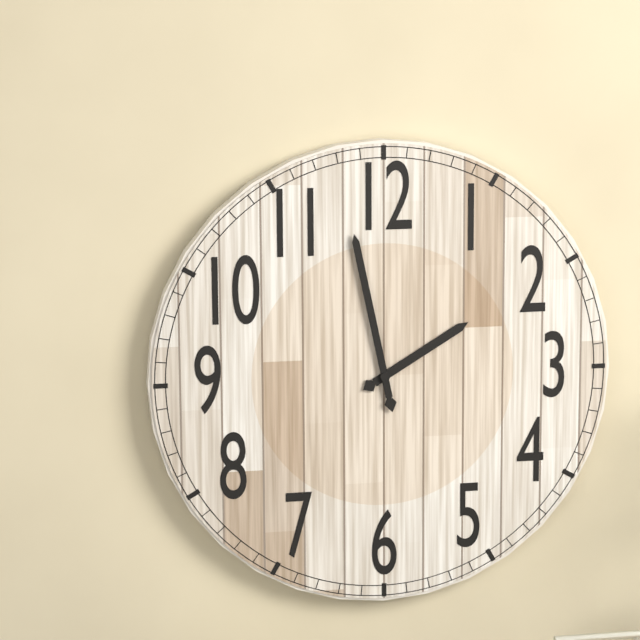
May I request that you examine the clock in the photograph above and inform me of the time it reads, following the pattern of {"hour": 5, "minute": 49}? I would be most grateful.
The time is {"hour": 1, "minute": 58}
